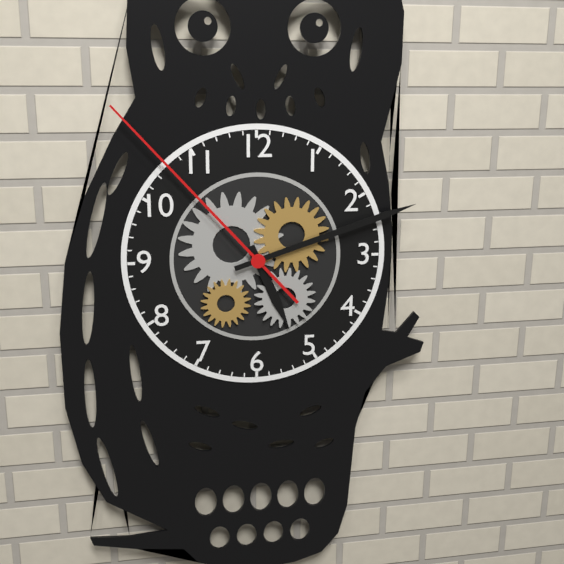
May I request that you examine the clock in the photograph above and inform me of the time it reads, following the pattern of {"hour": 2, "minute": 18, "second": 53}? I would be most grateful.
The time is {"hour": 5, "minute": 12, "second": 53}
